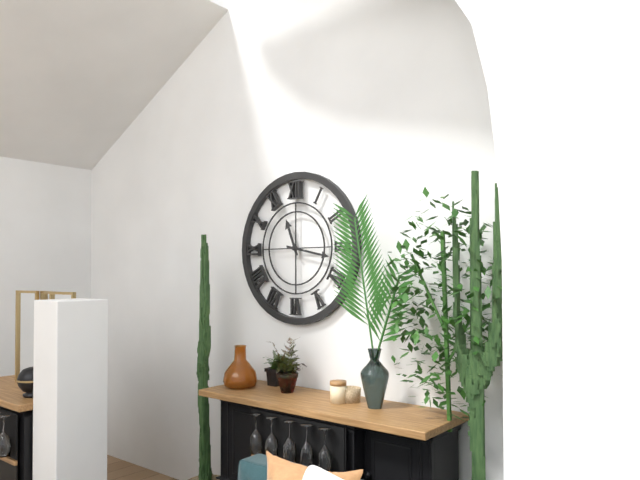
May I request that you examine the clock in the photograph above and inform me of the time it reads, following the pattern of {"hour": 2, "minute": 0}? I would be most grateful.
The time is {"hour": 11, "minute": 17}
